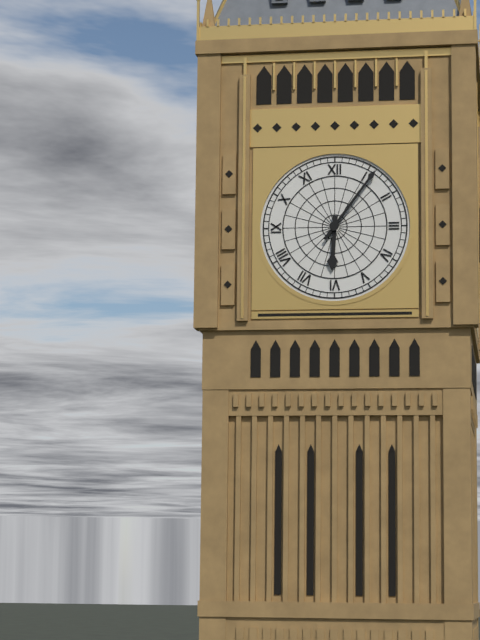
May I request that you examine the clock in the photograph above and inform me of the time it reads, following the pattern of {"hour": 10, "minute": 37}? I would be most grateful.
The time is {"hour": 6, "minute": 6}
